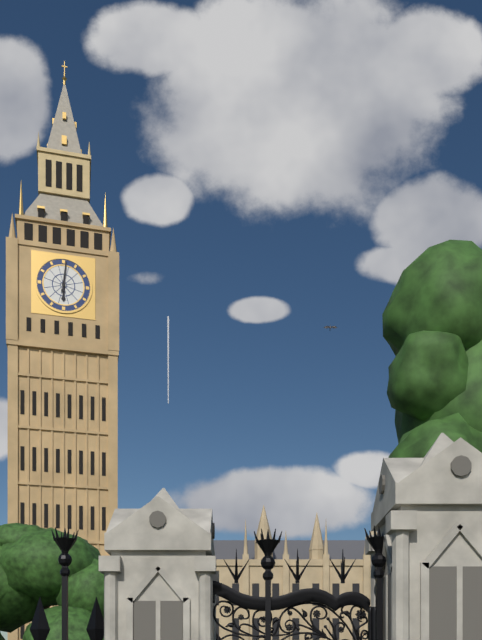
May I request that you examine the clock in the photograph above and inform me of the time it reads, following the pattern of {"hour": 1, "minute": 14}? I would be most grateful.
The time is {"hour": 6, "minute": 1}
